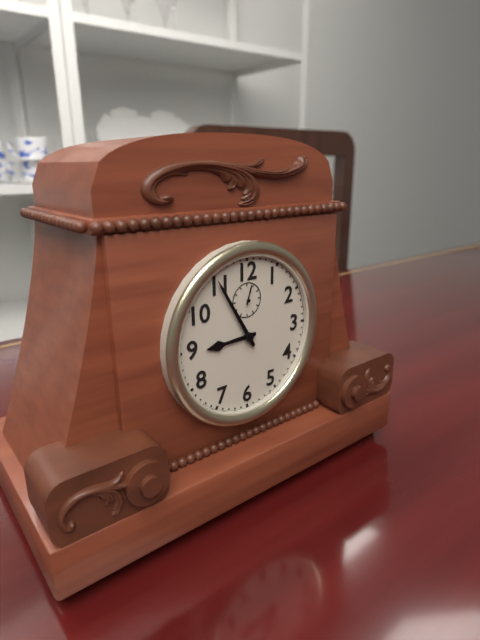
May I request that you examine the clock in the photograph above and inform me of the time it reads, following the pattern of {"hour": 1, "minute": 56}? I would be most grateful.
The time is {"hour": 8, "minute": 55}
